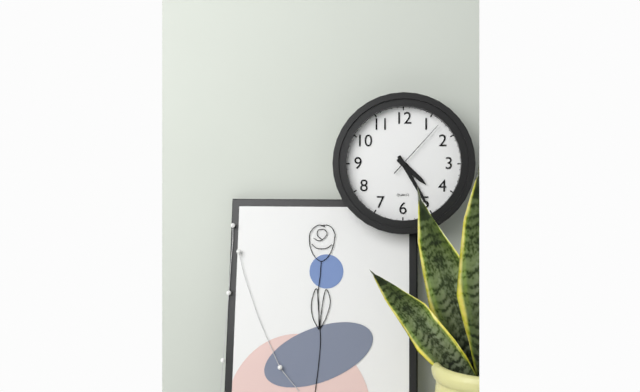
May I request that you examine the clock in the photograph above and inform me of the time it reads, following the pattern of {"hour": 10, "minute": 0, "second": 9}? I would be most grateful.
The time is {"hour": 4, "minute": 25, "second": 7}
